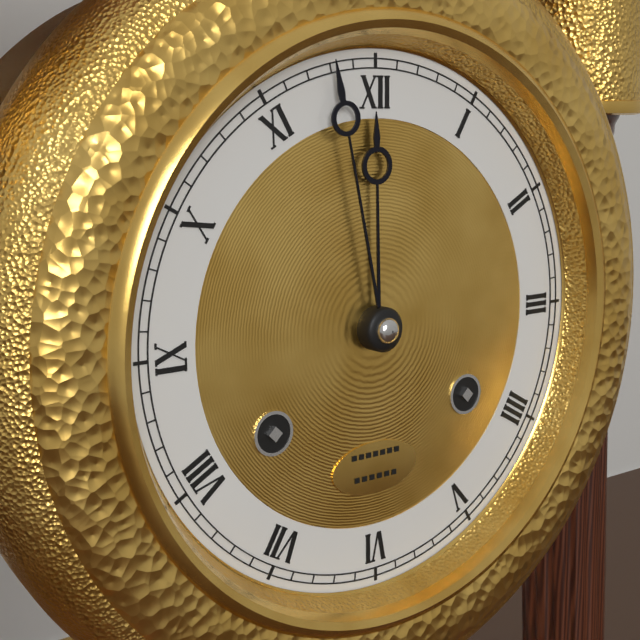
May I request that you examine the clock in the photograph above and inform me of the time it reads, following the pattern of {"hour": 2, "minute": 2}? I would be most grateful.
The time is {"hour": 11, "minute": 58}
